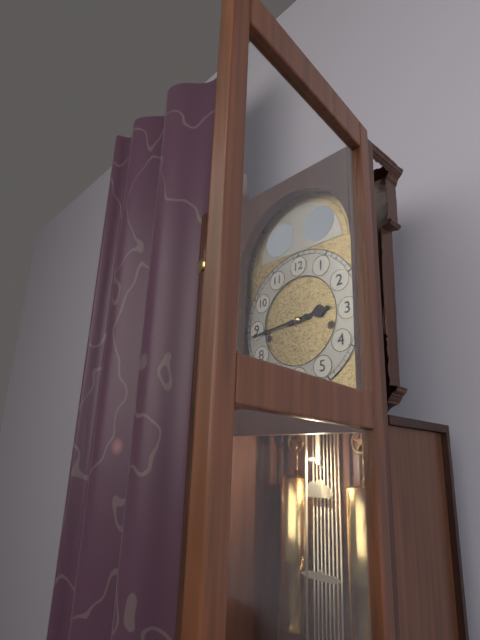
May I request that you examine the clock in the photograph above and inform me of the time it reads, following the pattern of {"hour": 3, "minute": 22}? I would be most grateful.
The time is {"hour": 2, "minute": 44}
